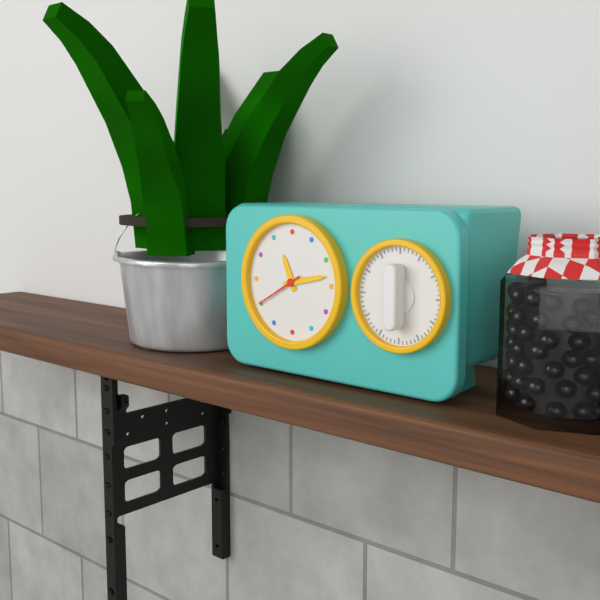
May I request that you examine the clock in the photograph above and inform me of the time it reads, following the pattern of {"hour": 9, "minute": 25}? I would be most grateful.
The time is {"hour": 11, "minute": 13}
